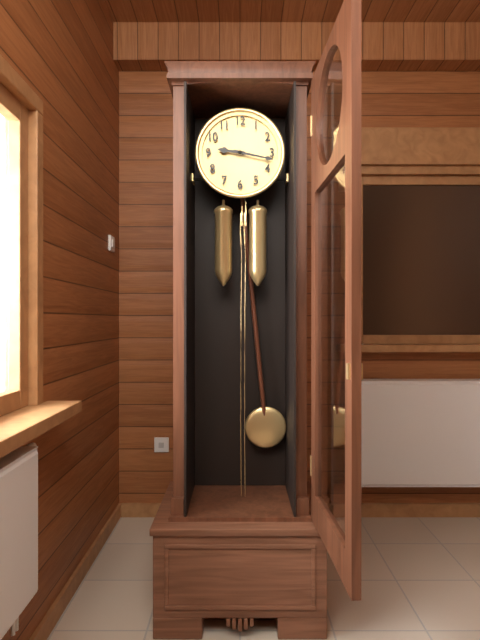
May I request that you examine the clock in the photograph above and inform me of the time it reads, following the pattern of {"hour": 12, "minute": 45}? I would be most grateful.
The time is {"hour": 9, "minute": 17}
